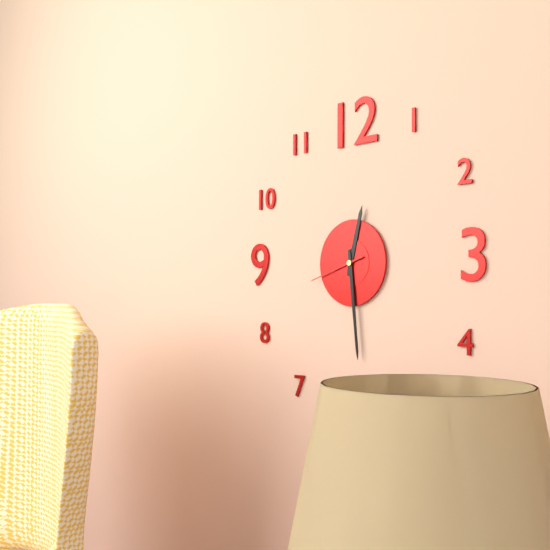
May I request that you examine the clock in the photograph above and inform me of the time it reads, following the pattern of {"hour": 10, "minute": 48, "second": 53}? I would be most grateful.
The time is {"hour": 12, "minute": 29, "second": 42}
